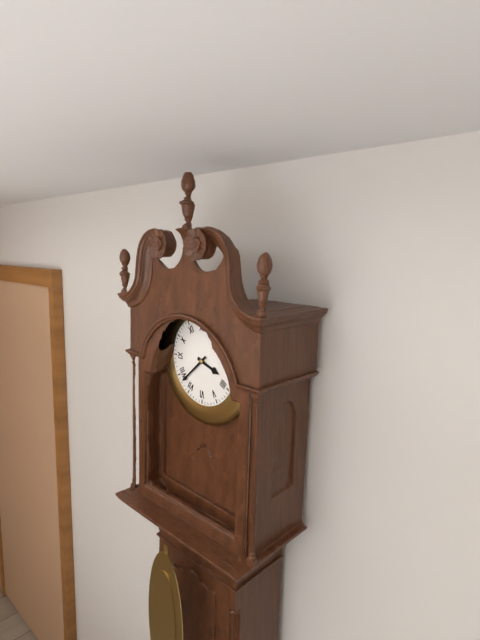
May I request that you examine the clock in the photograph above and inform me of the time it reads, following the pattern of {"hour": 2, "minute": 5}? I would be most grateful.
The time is {"hour": 3, "minute": 38}
